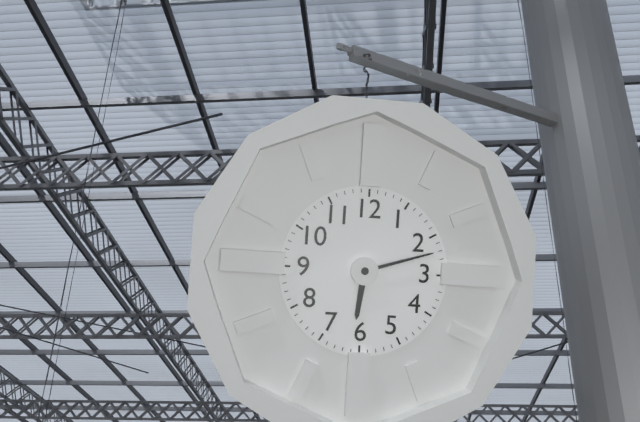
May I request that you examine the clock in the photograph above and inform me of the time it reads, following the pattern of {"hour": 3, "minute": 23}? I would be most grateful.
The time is {"hour": 6, "minute": 12}
